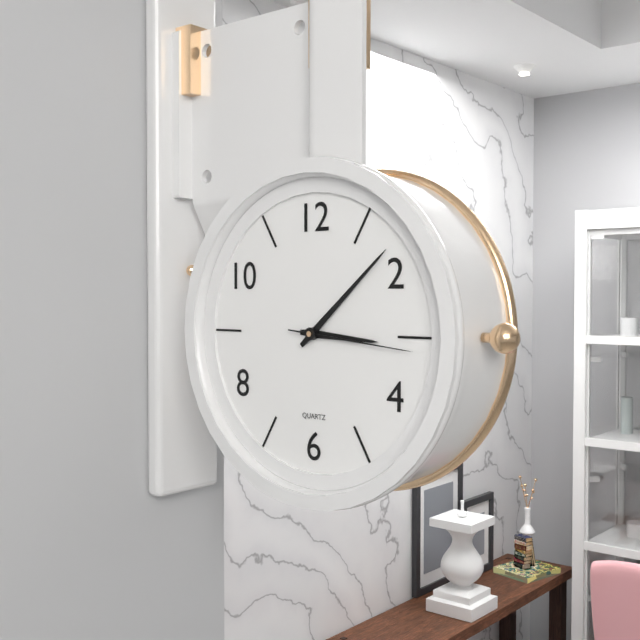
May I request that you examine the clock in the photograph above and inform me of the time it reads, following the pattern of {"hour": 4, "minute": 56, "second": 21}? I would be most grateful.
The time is {"hour": 3, "minute": 8, "second": 16}
